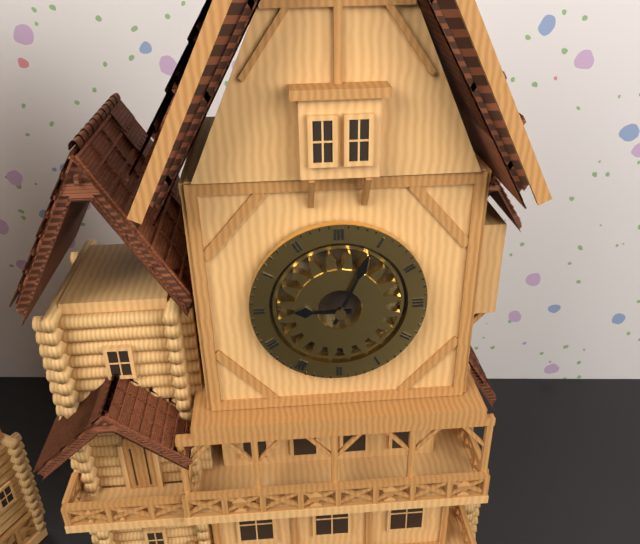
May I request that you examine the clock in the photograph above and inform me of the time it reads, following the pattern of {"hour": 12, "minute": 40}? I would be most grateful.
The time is {"hour": 9, "minute": 4}
